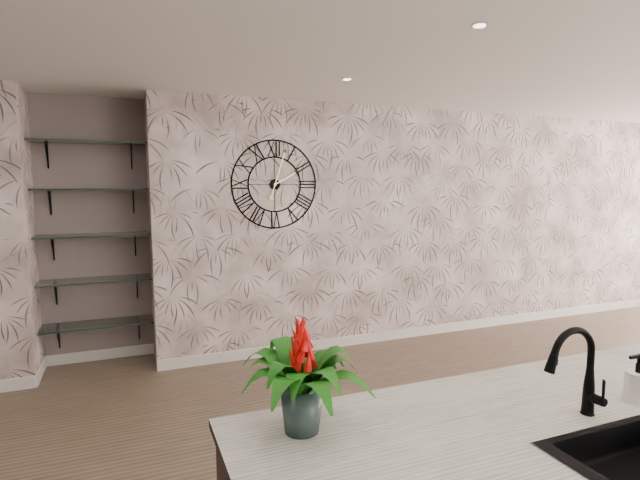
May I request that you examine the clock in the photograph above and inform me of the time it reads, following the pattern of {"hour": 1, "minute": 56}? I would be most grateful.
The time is {"hour": 2, "minute": 3}
